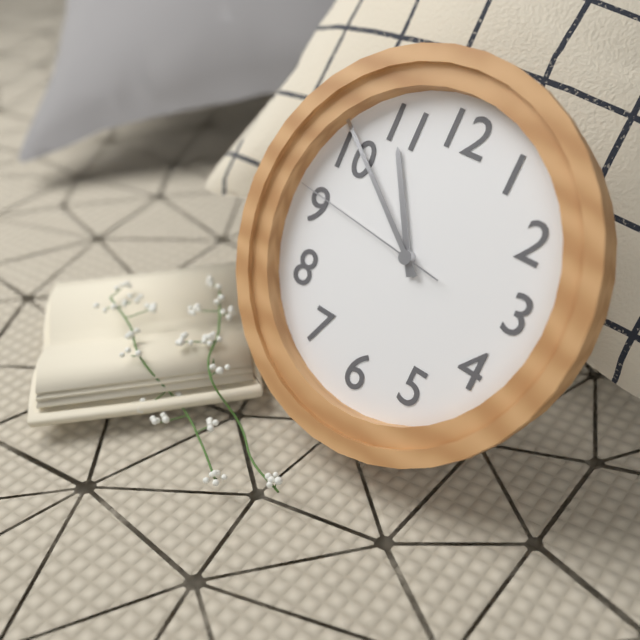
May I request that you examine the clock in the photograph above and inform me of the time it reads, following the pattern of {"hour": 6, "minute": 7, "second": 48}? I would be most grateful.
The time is {"hour": 10, "minute": 51, "second": 46}
